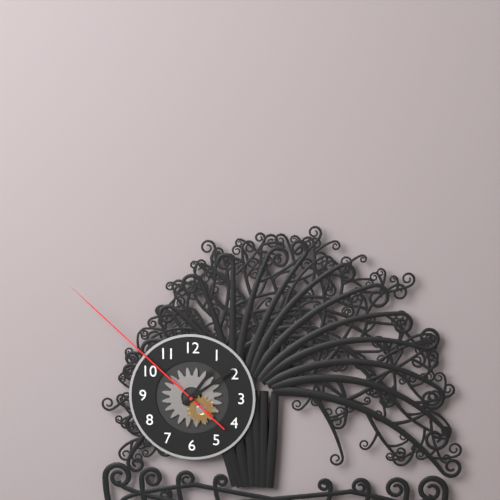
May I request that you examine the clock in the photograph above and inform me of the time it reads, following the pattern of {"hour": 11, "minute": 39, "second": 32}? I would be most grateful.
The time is {"hour": 1, "minute": 9, "second": 52}
